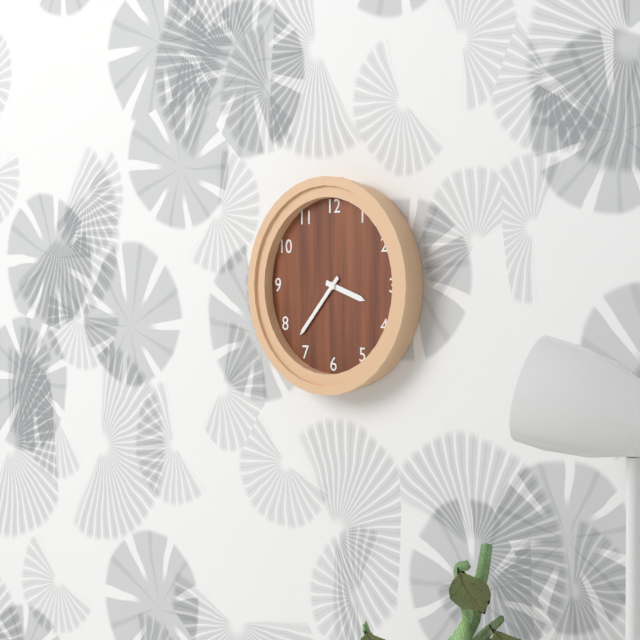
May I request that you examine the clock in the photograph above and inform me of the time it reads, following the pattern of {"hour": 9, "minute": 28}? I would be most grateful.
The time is {"hour": 3, "minute": 37}
